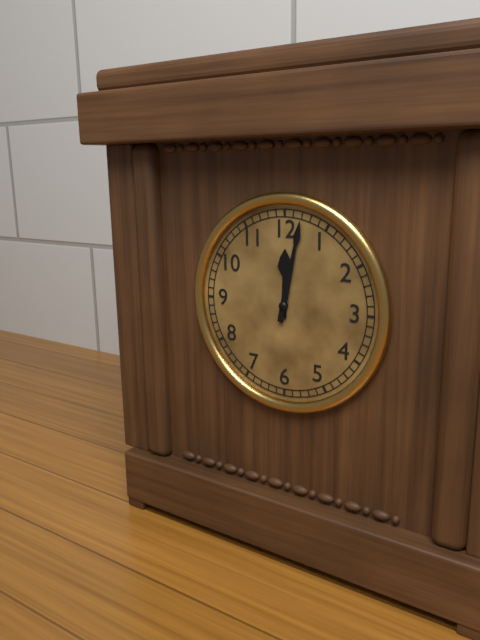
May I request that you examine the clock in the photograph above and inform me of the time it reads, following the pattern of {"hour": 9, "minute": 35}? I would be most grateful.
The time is {"hour": 12, "minute": 2}
